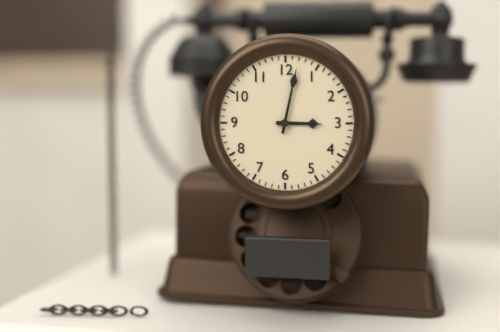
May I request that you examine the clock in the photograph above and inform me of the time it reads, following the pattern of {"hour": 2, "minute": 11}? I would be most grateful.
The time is {"hour": 3, "minute": 2}
